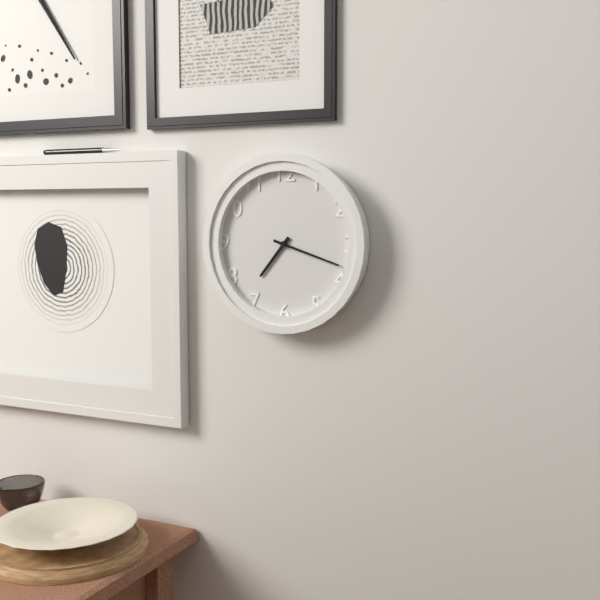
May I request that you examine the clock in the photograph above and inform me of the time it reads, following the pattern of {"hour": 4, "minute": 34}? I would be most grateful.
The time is {"hour": 7, "minute": 18}
